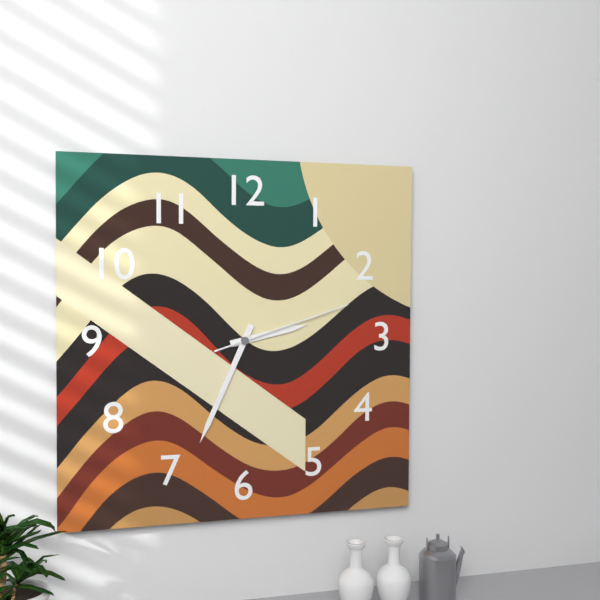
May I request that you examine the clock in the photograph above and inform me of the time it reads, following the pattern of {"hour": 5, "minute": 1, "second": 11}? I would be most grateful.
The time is {"hour": 2, "minute": 34, "second": 12}
